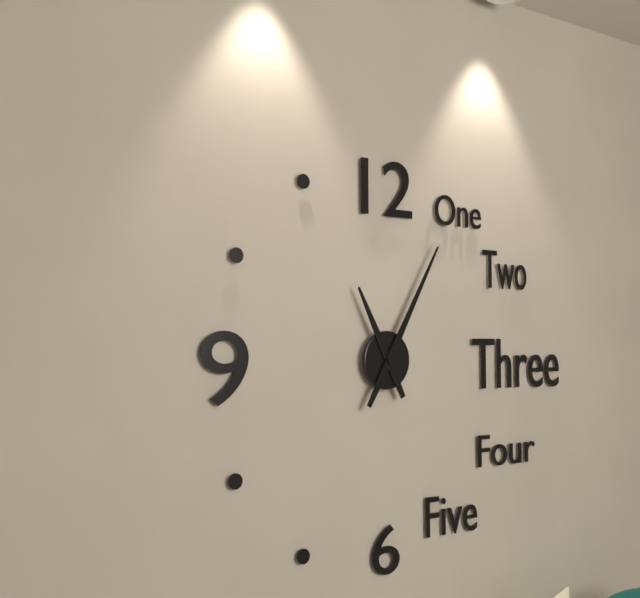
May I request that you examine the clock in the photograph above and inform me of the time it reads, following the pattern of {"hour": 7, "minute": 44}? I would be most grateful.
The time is {"hour": 11, "minute": 5}
